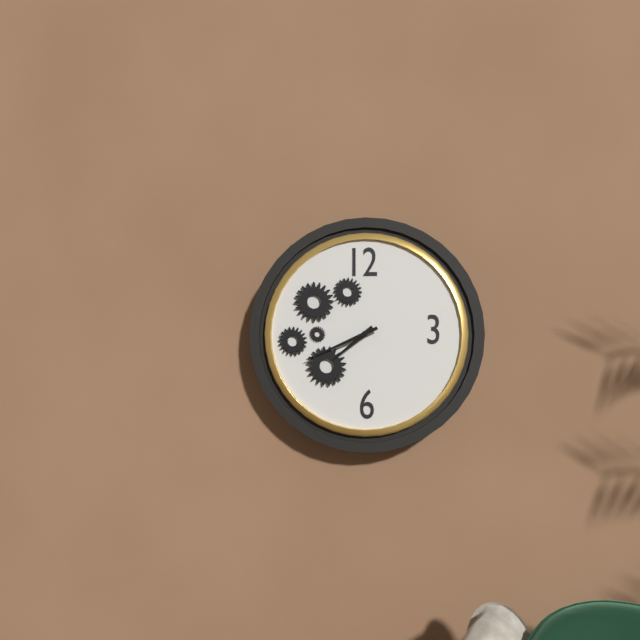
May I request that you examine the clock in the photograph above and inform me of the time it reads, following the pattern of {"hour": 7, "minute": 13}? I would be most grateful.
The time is {"hour": 7, "minute": 41}
